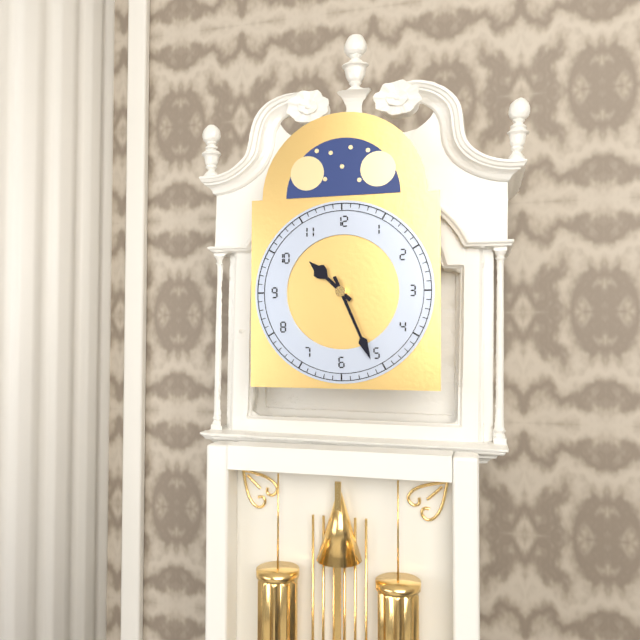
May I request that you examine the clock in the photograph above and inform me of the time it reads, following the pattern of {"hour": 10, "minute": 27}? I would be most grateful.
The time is {"hour": 10, "minute": 26}
